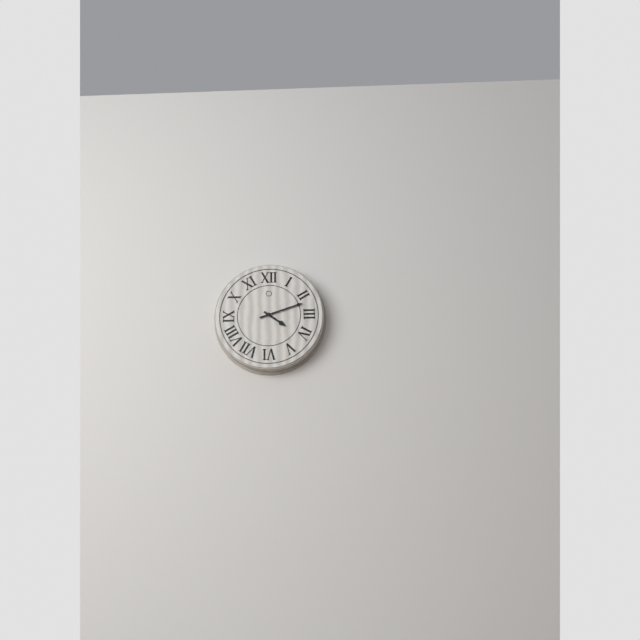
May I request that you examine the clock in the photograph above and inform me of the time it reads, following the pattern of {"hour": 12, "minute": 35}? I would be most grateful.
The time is {"hour": 4, "minute": 12}
